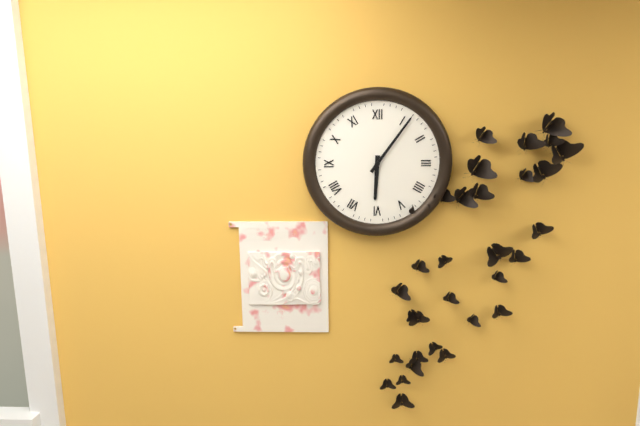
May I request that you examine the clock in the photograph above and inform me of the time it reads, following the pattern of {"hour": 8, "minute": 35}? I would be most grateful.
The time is {"hour": 6, "minute": 6}
